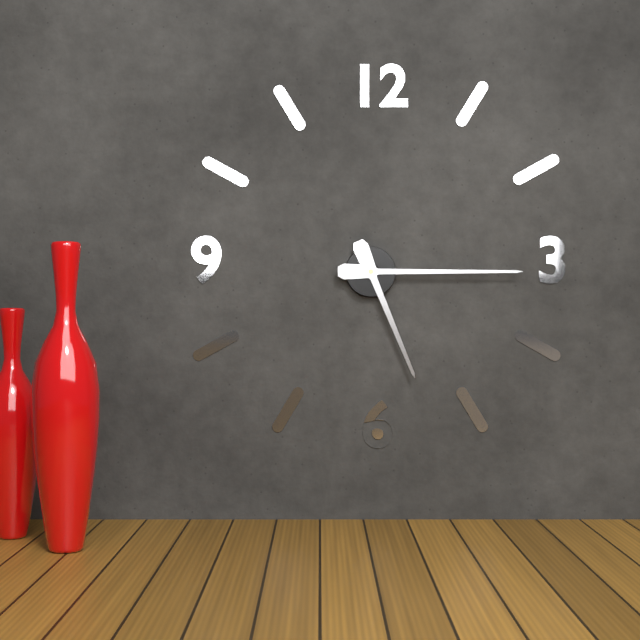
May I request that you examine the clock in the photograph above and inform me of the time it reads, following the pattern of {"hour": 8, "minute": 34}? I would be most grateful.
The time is {"hour": 5, "minute": 15}
